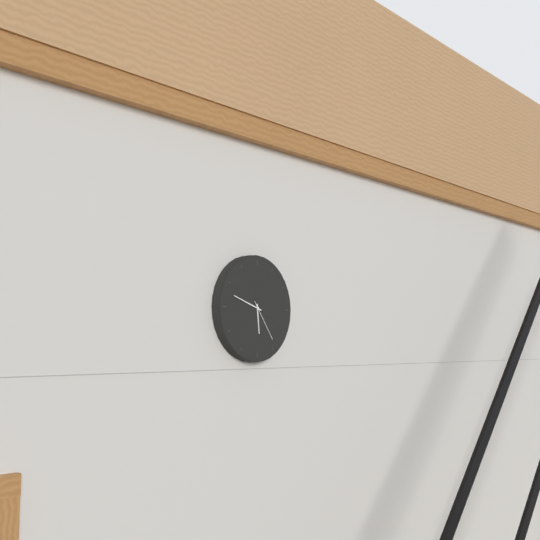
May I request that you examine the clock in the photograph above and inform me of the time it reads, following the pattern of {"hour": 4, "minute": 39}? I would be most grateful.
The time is {"hour": 5, "minute": 48}
